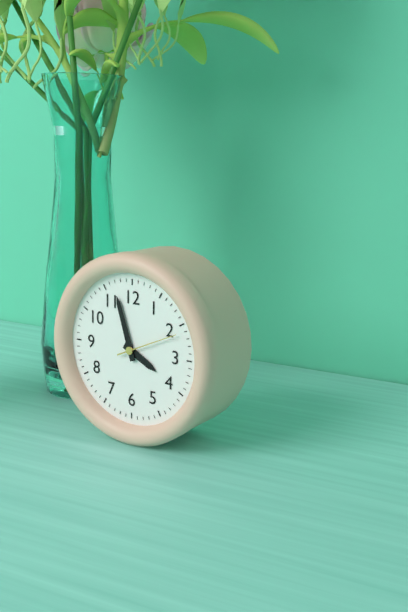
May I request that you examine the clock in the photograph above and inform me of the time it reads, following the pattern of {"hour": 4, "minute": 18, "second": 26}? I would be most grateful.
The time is {"hour": 3, "minute": 57, "second": 11}
